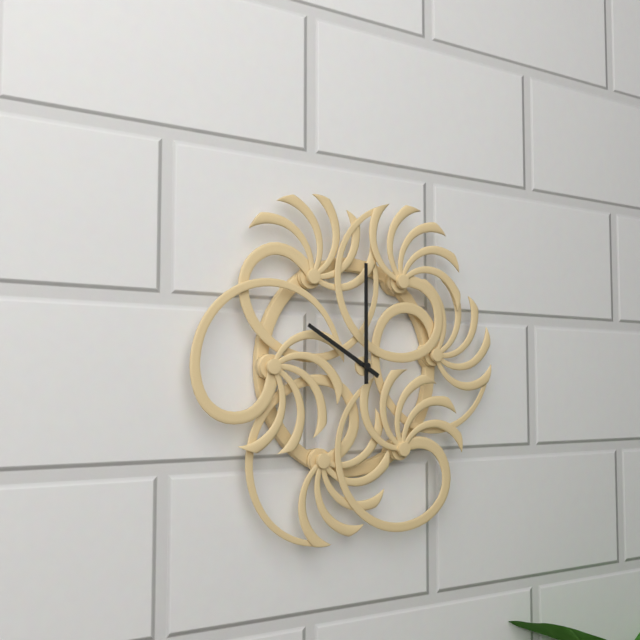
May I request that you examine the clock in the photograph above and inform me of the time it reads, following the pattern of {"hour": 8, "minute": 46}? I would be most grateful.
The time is {"hour": 10, "minute": 0}
